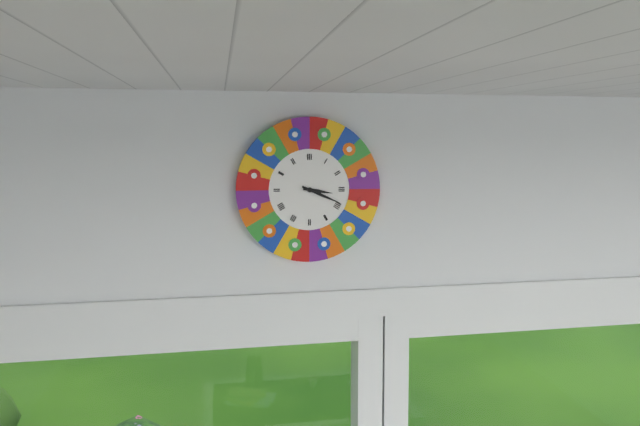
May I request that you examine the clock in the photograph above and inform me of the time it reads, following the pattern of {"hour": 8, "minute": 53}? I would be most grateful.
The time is {"hour": 3, "minute": 19}
